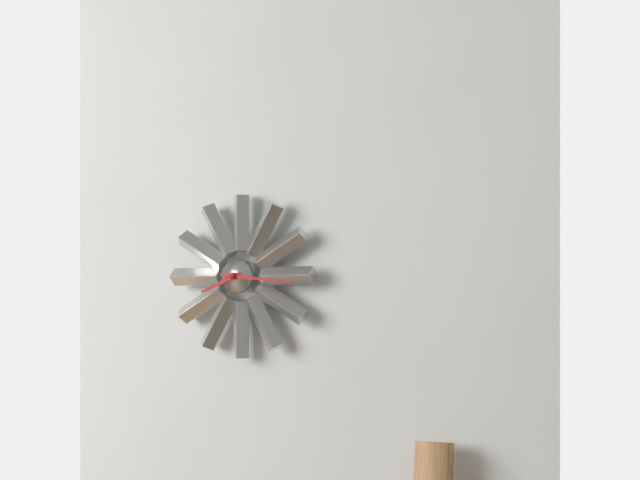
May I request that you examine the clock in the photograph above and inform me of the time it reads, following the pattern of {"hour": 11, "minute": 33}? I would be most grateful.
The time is {"hour": 8, "minute": 16}
